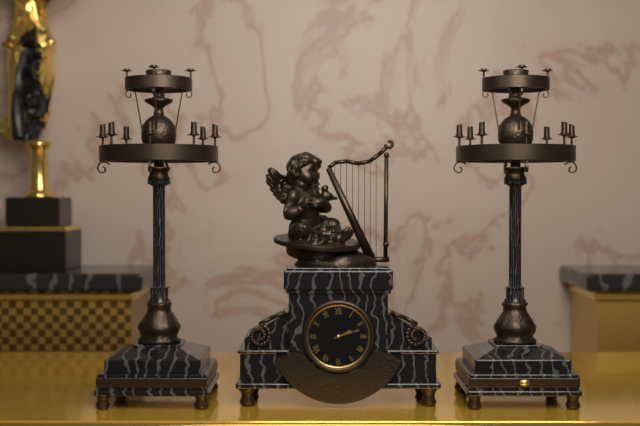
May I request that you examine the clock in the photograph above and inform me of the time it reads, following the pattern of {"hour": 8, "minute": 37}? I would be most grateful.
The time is {"hour": 2, "minute": 12}
